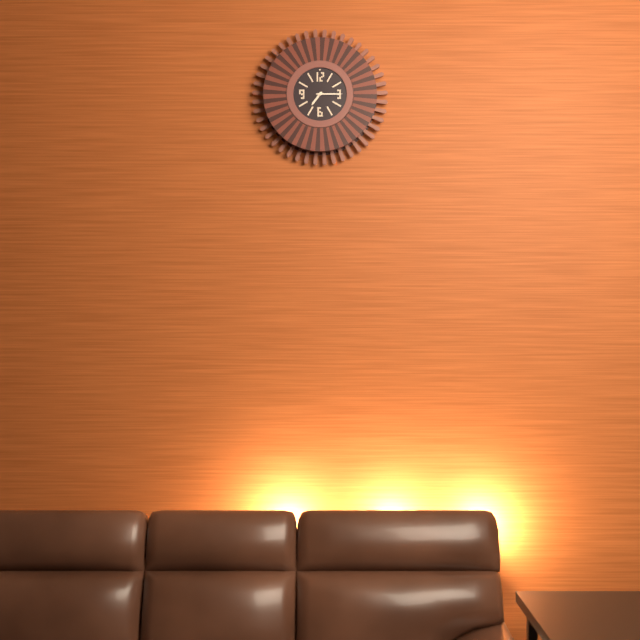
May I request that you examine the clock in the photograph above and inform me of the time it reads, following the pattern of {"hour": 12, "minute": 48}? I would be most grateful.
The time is {"hour": 7, "minute": 15}
